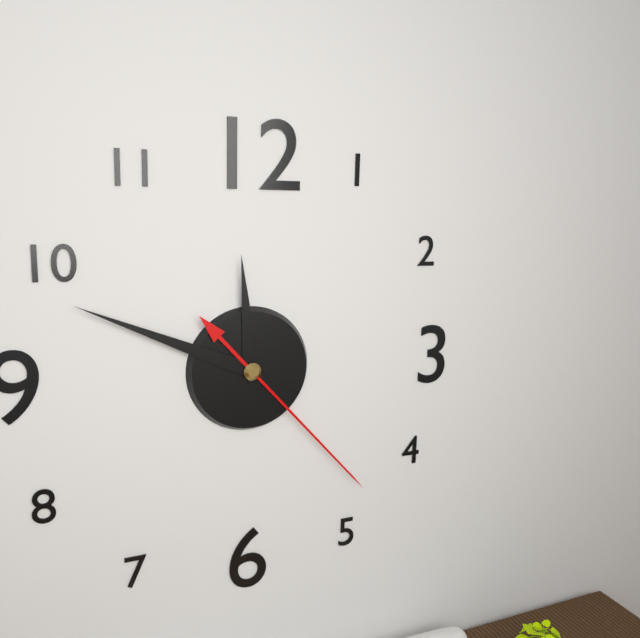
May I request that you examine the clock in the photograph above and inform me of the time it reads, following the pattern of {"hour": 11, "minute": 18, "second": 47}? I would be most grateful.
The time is {"hour": 11, "minute": 49, "second": 23}
